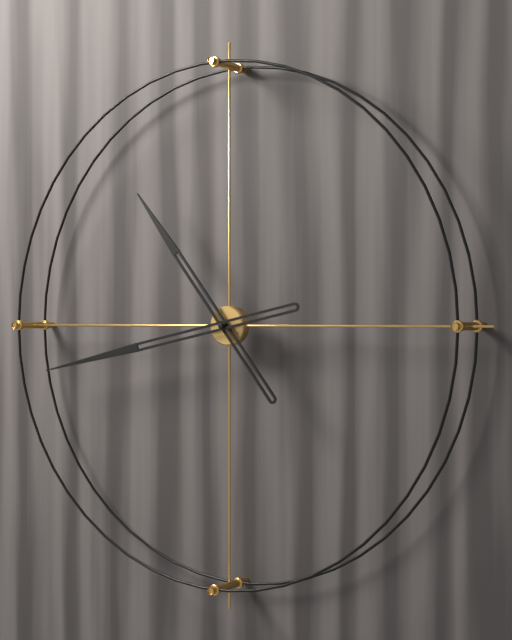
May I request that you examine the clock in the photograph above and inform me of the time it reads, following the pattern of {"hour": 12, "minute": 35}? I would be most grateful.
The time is {"hour": 10, "minute": 43}
